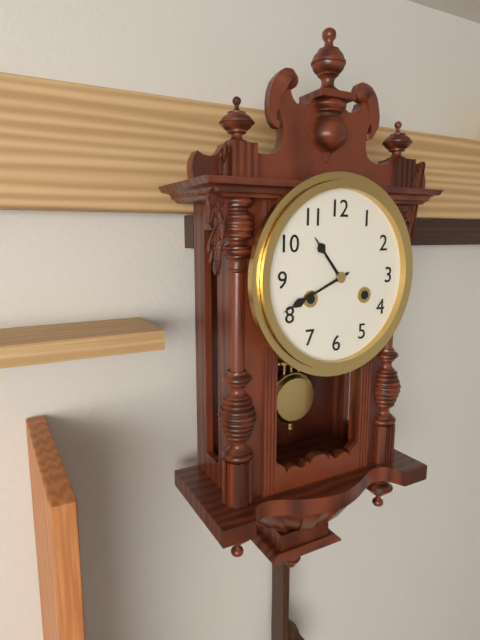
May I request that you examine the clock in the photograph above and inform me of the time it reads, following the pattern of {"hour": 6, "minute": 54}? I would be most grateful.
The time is {"hour": 10, "minute": 41}
